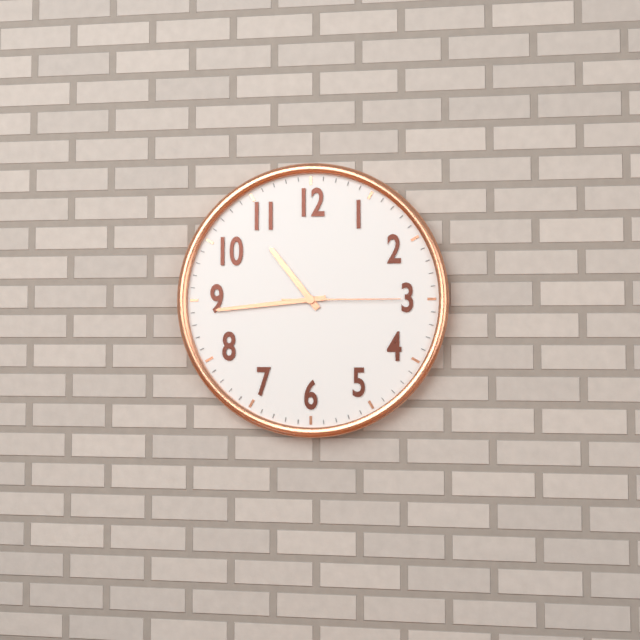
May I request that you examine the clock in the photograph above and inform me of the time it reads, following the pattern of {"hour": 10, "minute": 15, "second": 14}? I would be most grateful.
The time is {"hour": 10, "minute": 44, "second": 15}
